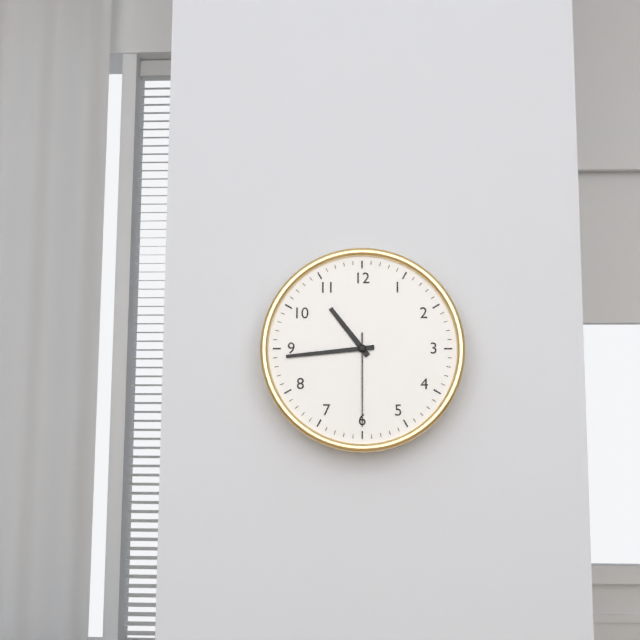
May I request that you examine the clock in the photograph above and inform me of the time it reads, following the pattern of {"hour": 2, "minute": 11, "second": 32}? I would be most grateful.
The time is {"hour": 10, "minute": 44, "second": 30}
